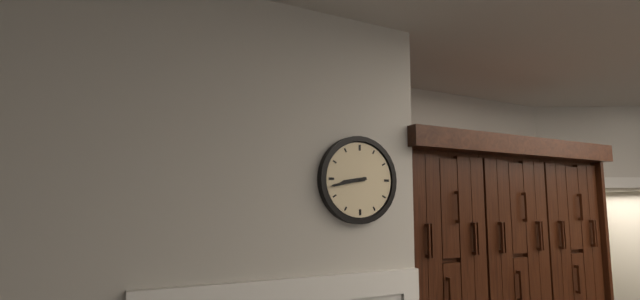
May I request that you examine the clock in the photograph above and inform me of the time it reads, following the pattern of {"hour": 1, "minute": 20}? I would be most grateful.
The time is {"hour": 8, "minute": 43}
